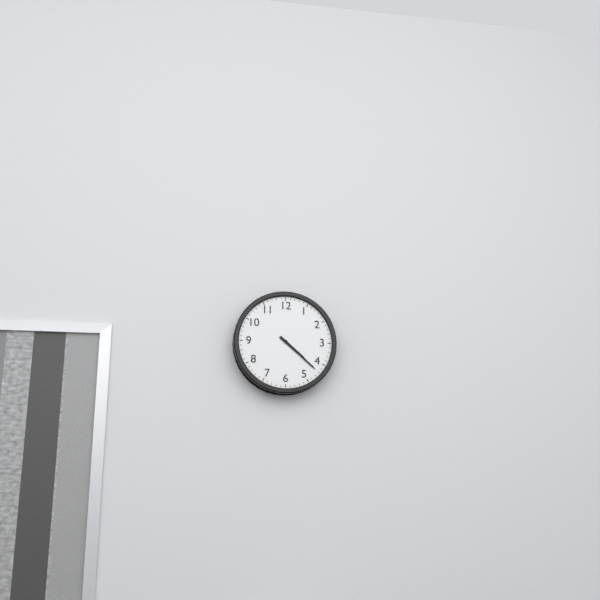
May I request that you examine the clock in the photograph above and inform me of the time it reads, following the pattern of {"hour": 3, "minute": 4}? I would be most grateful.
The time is {"hour": 4, "minute": 22}
